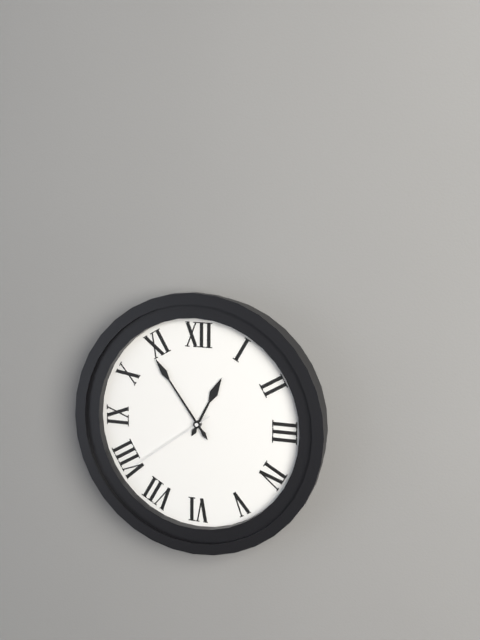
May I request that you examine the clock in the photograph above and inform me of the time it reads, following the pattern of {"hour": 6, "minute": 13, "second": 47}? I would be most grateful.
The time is {"hour": 12, "minute": 54, "second": 39}
